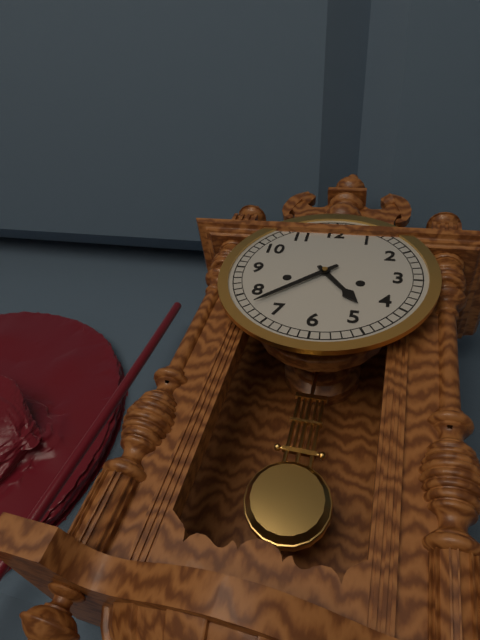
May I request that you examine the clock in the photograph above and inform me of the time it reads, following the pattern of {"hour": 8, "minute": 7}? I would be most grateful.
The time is {"hour": 4, "minute": 38}
